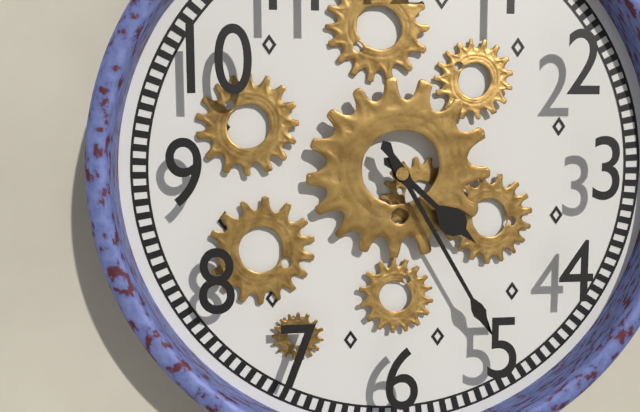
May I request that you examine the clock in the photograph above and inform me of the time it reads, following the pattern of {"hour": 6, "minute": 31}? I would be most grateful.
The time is {"hour": 4, "minute": 25}
